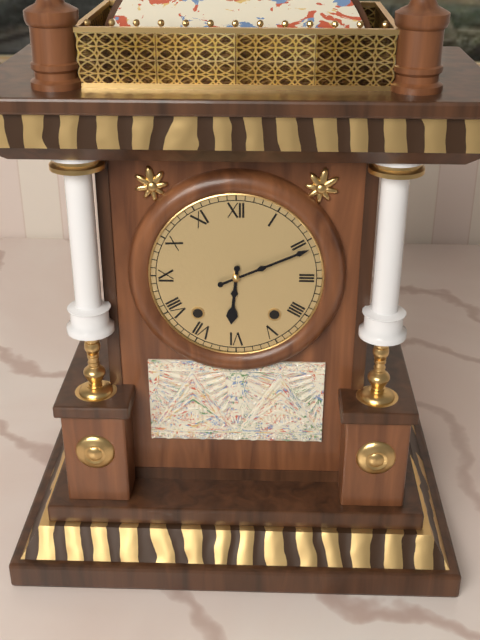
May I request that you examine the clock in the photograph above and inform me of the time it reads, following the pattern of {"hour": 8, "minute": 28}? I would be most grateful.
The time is {"hour": 6, "minute": 11}
